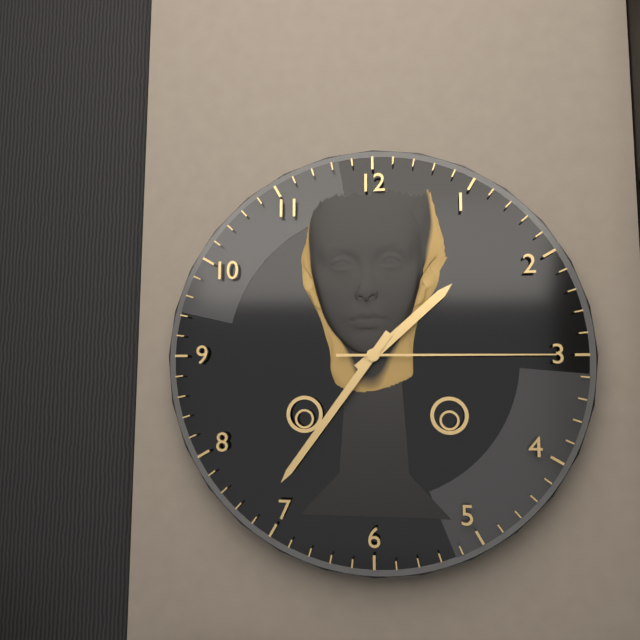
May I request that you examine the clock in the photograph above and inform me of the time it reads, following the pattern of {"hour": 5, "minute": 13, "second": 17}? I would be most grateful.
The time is {"hour": 1, "minute": 36, "second": 15}
